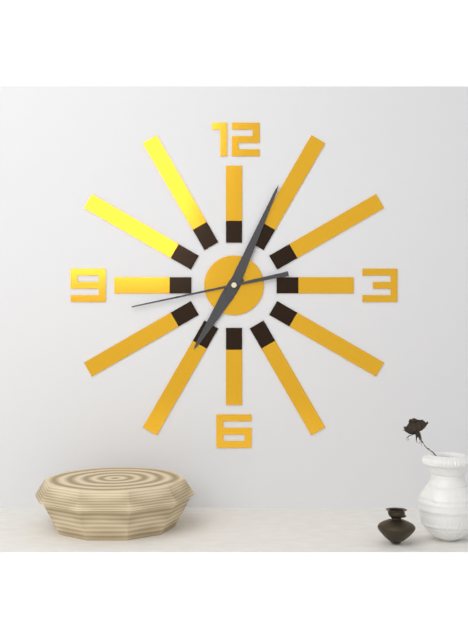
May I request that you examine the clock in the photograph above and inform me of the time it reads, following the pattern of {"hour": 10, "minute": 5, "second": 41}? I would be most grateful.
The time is {"hour": 7, "minute": 4, "second": 43}
